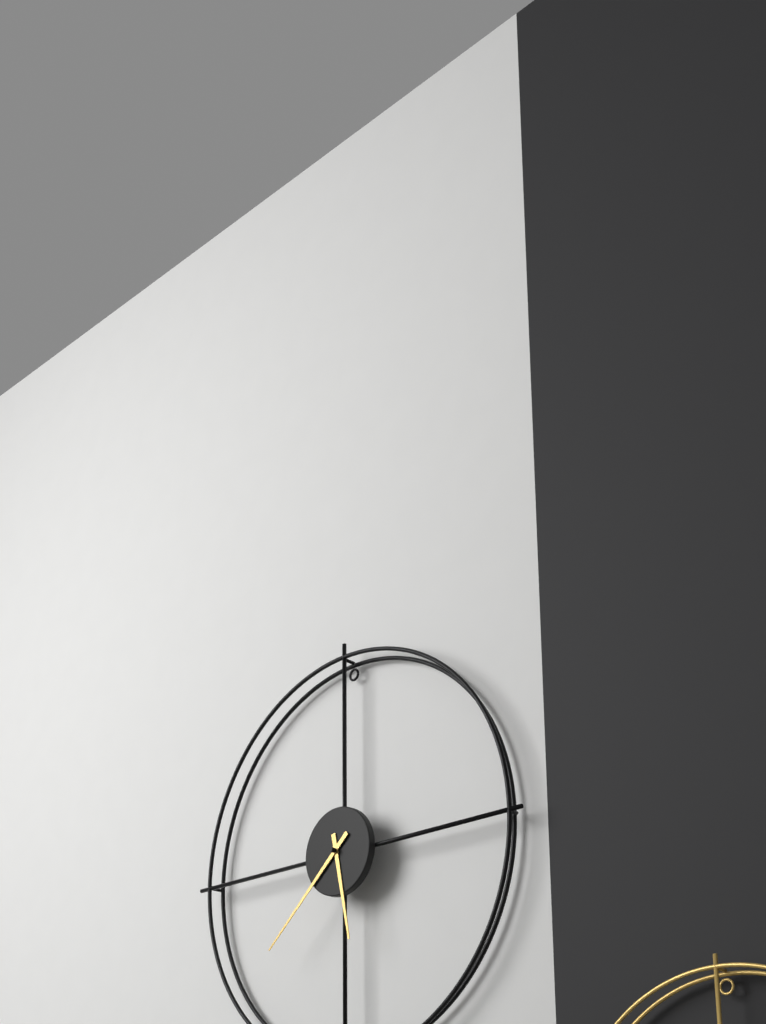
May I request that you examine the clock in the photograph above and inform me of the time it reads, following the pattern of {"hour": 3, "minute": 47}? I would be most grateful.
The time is {"hour": 5, "minute": 38}
